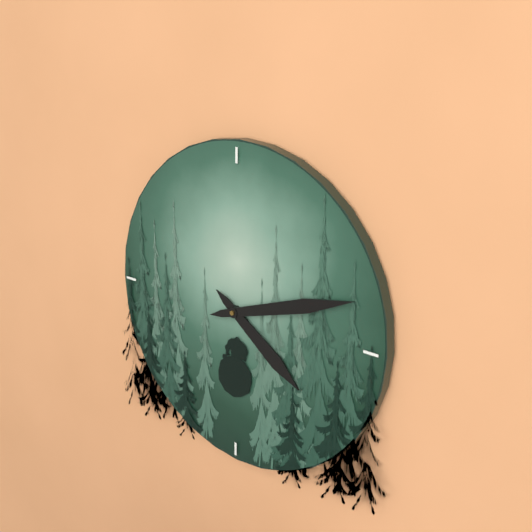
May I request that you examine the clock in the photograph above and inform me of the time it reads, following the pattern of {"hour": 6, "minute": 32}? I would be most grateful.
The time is {"hour": 4, "minute": 12}
